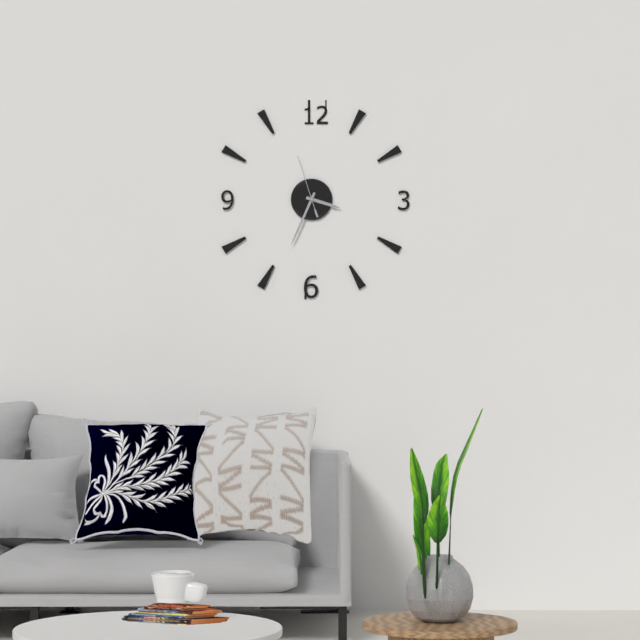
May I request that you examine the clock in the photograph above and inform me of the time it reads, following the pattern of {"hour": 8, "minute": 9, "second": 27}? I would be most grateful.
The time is {"hour": 3, "minute": 34, "second": 57}
